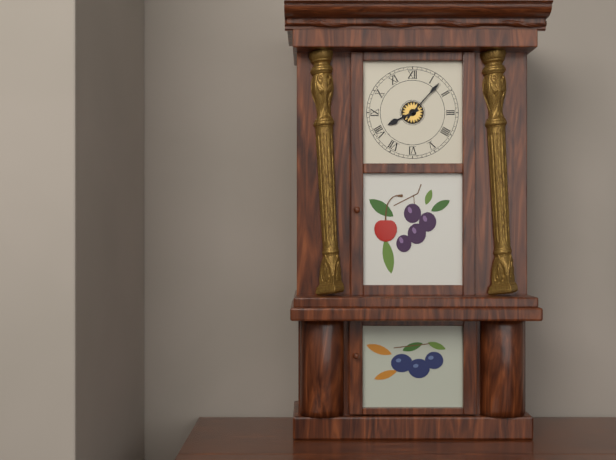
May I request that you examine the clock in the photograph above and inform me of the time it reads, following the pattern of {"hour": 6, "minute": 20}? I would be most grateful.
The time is {"hour": 8, "minute": 7}
